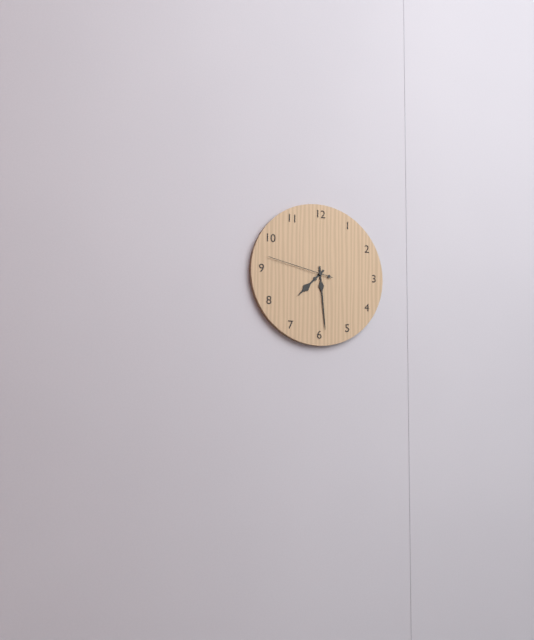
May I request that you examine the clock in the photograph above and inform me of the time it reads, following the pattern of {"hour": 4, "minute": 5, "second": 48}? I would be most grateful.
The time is {"hour": 7, "minute": 29, "second": 47}
